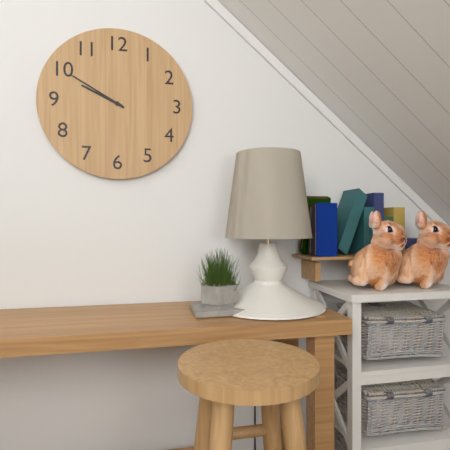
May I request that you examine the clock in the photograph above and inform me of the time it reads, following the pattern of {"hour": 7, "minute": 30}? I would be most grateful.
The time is {"hour": 9, "minute": 50}
